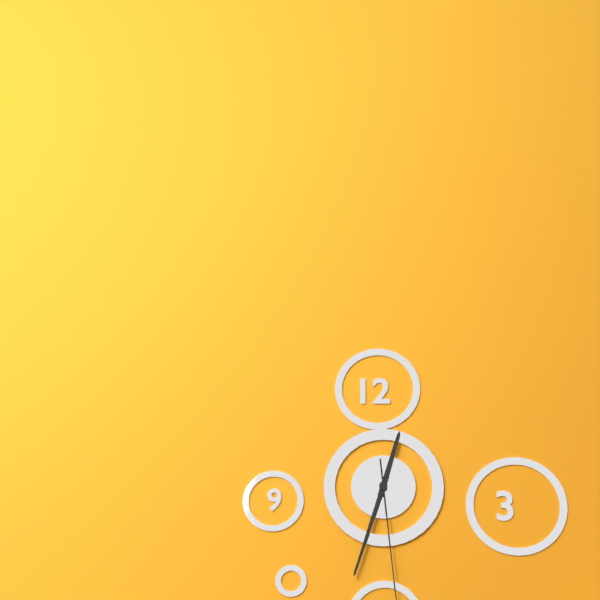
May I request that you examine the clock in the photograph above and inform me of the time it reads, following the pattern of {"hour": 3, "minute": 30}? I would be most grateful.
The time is {"hour": 12, "minute": 33}
